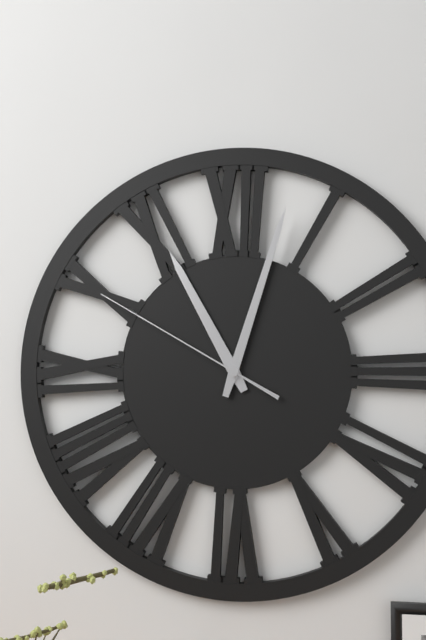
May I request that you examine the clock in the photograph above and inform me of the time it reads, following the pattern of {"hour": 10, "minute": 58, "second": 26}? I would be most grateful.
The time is {"hour": 11, "minute": 3, "second": 50}
